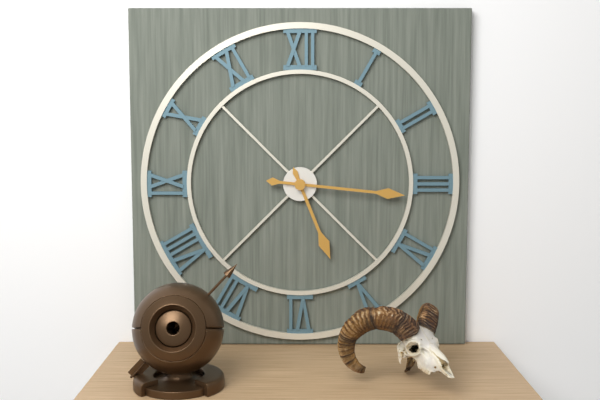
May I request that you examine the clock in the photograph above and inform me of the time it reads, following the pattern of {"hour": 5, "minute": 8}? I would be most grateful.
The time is {"hour": 5, "minute": 16}
